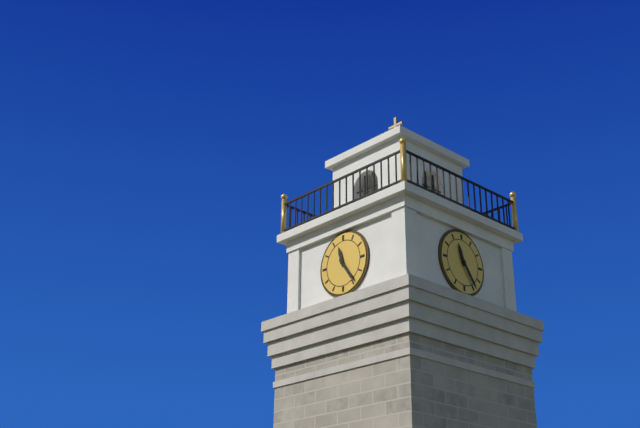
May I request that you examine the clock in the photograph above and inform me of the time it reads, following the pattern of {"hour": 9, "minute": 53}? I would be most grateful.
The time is {"hour": 11, "minute": 24}
